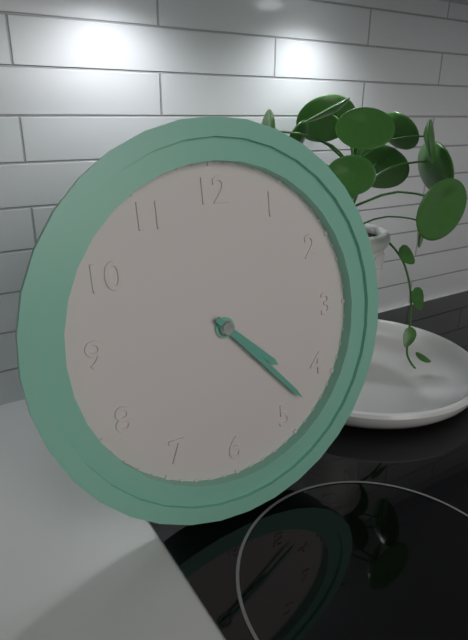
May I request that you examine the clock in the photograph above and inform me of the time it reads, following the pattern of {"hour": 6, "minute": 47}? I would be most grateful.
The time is {"hour": 4, "minute": 23}
